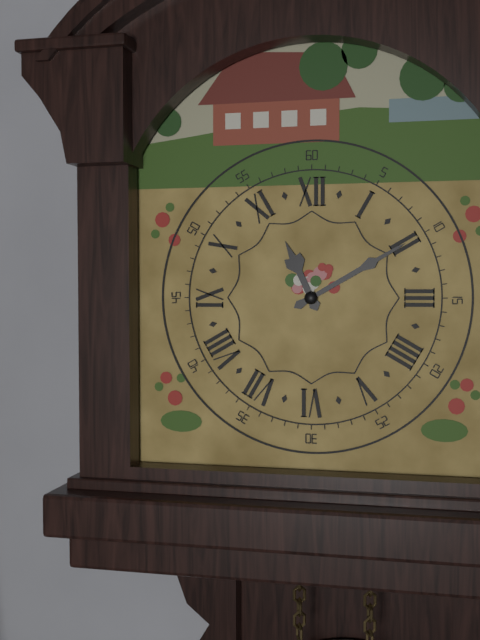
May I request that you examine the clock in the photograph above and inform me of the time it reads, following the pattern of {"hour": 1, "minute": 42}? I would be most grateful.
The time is {"hour": 11, "minute": 10}
